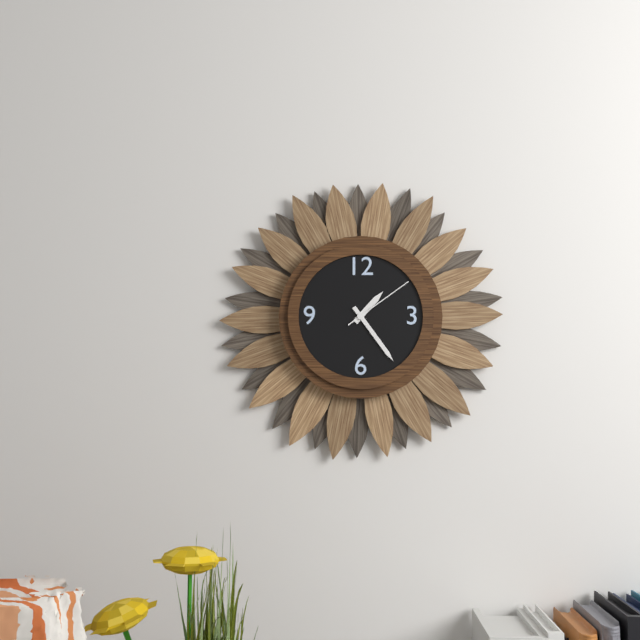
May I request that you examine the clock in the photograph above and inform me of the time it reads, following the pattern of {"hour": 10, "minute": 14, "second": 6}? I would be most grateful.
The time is {"hour": 1, "minute": 24, "second": 9}
